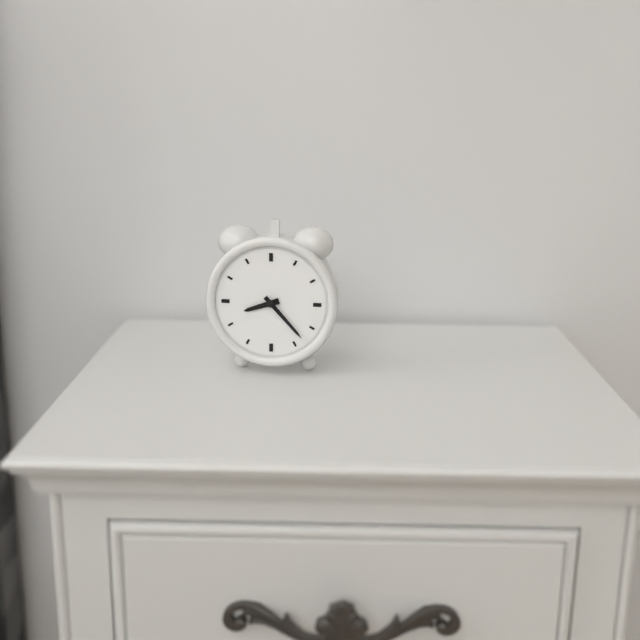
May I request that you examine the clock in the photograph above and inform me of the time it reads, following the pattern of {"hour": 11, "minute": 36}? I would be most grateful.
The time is {"hour": 8, "minute": 23}
